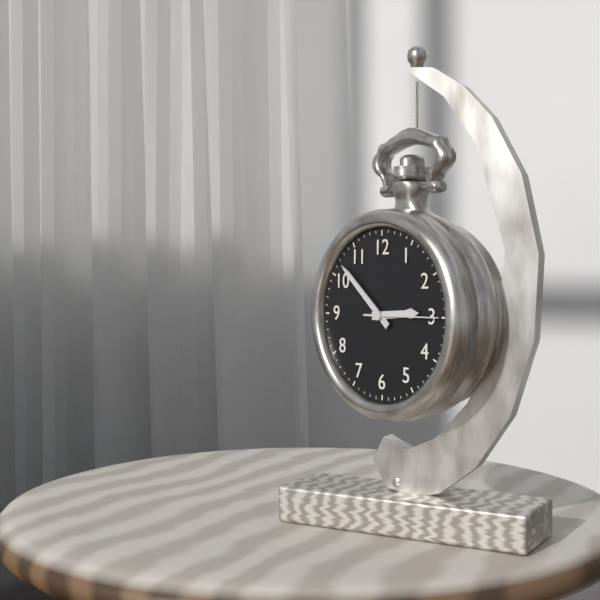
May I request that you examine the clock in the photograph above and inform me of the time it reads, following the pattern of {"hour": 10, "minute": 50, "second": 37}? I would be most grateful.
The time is {"hour": 2, "minute": 52, "second": 15}
